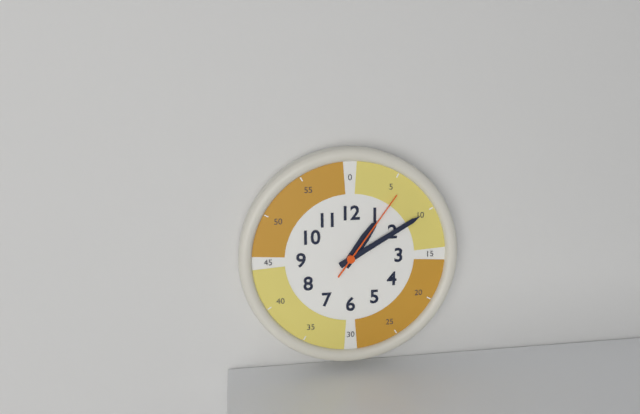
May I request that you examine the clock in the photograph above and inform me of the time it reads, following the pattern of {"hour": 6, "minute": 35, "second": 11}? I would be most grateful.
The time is {"hour": 1, "minute": 10, "second": 6}
